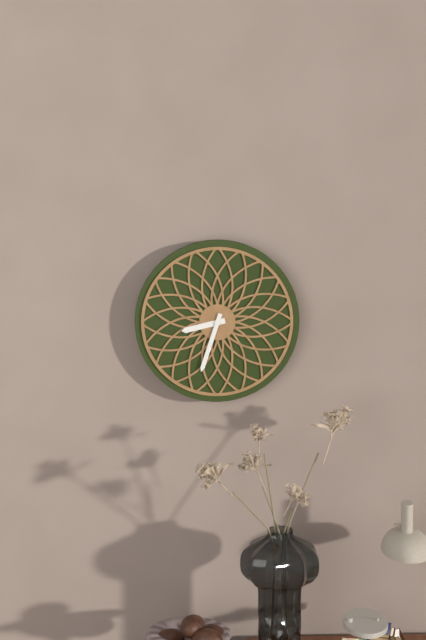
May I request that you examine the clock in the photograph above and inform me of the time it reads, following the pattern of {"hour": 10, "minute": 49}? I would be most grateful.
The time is {"hour": 8, "minute": 33}
